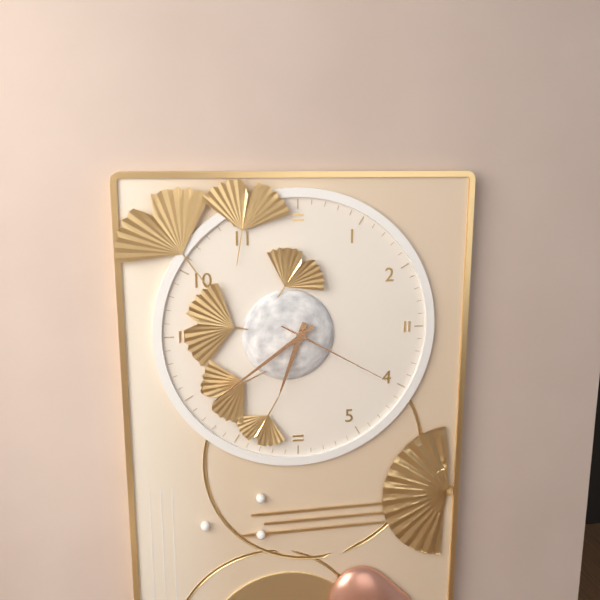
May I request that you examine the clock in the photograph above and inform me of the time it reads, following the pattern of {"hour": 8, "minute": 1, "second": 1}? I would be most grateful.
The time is {"hour": 6, "minute": 39, "second": 20}
